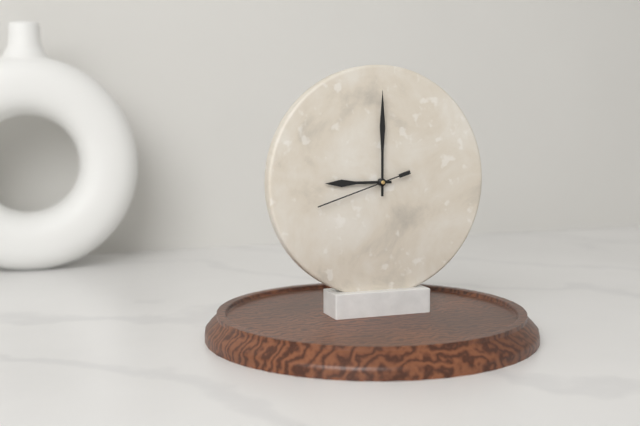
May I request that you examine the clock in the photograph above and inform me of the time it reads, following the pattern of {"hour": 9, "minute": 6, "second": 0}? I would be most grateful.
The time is {"hour": 9, "minute": 0, "second": 42}
